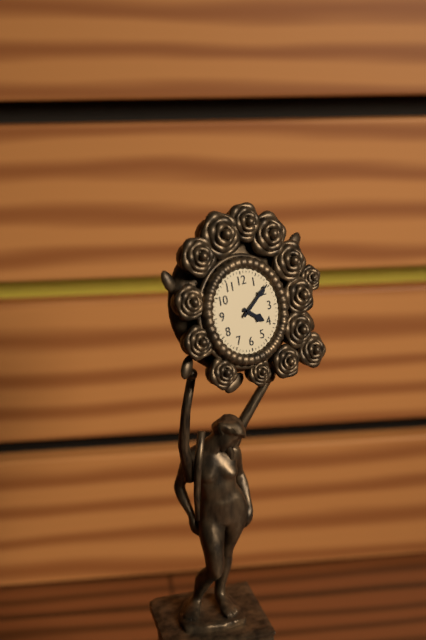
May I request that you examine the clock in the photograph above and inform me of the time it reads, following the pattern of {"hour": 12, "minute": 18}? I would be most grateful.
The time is {"hour": 4, "minute": 9}
